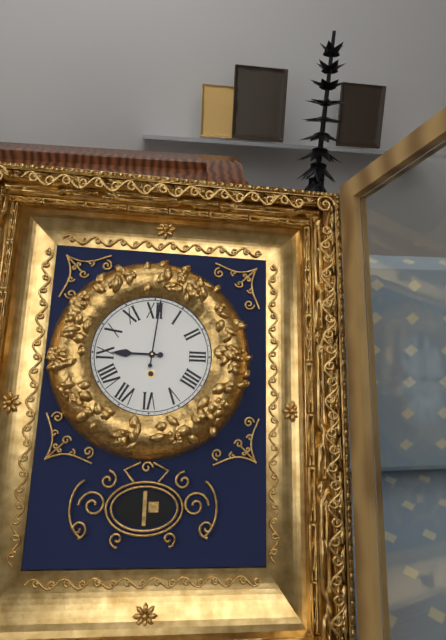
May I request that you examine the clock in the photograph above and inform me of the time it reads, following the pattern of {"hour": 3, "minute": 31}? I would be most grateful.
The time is {"hour": 9, "minute": 1}
